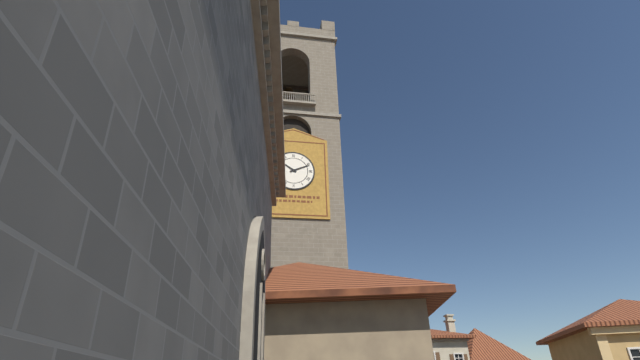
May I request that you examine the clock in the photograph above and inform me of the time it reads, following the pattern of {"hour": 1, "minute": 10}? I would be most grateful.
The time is {"hour": 10, "minute": 11}
